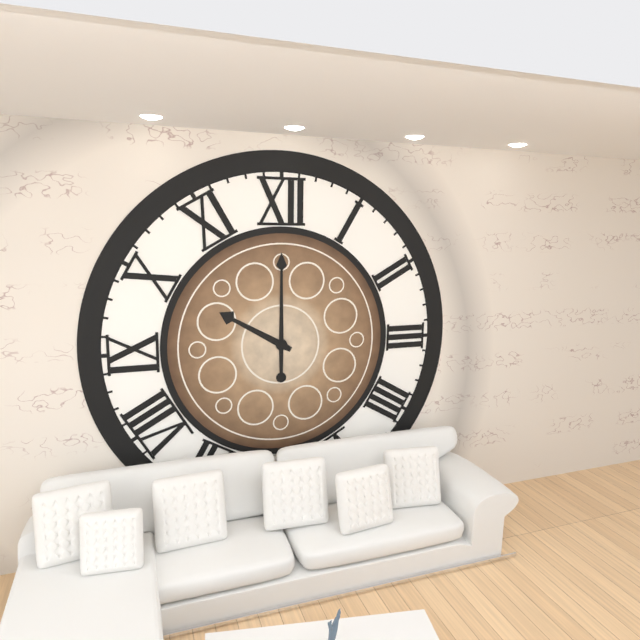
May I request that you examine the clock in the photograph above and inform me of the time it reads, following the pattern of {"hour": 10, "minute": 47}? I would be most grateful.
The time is {"hour": 10, "minute": 0}
